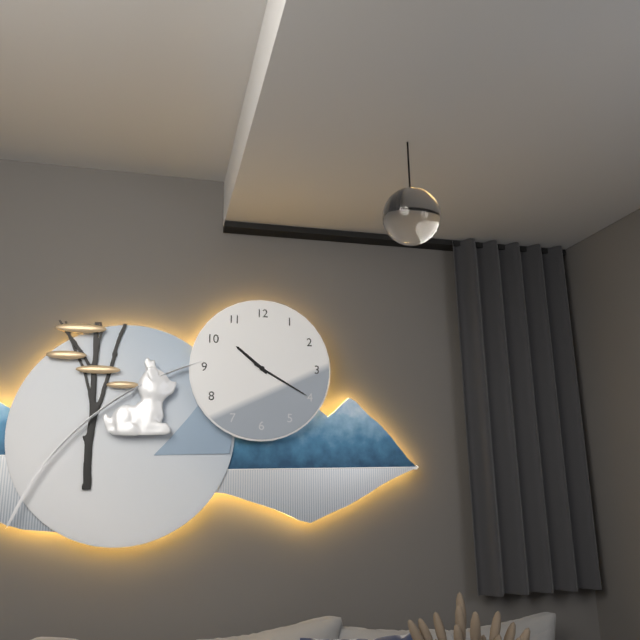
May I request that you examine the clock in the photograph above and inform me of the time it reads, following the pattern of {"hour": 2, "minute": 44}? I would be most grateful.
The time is {"hour": 10, "minute": 20}
